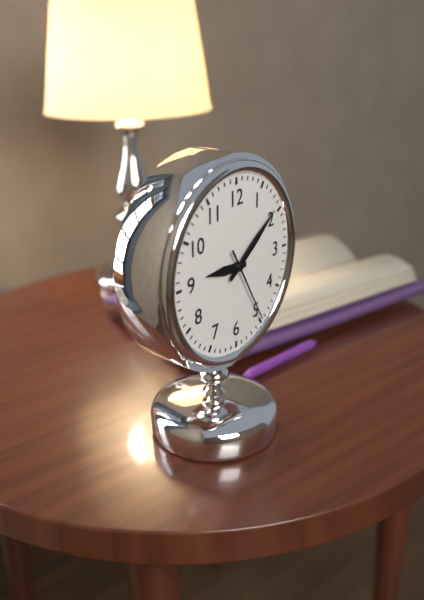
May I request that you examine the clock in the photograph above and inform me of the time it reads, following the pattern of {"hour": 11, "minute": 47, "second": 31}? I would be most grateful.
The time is {"hour": 9, "minute": 9, "second": 25}
